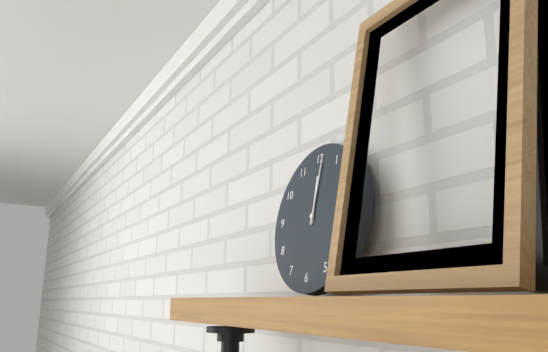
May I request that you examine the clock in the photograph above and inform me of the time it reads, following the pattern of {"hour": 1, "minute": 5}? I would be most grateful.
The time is {"hour": 12, "minute": 1}
